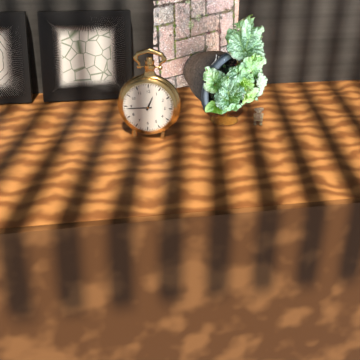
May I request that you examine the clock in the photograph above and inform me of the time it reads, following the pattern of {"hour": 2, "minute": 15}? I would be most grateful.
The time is {"hour": 12, "minute": 44}
